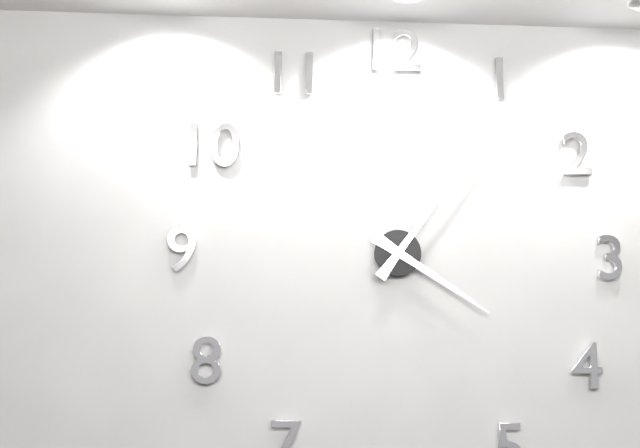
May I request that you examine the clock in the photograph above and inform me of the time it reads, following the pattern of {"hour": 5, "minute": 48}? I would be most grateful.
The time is {"hour": 4, "minute": 6}
